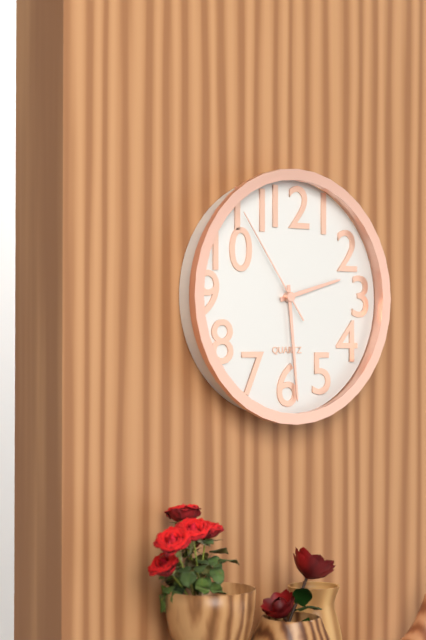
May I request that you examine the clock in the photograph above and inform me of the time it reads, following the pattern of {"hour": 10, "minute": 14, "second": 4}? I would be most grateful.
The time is {"hour": 2, "minute": 29, "second": 54}
